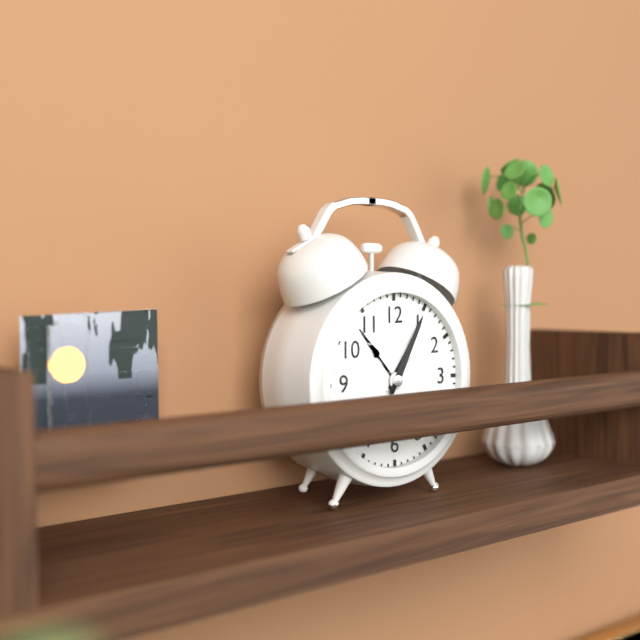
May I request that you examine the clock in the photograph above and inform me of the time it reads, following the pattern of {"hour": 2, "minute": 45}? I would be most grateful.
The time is {"hour": 1, "minute": 5}
